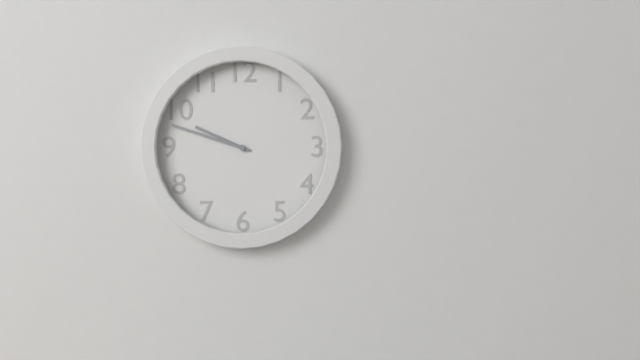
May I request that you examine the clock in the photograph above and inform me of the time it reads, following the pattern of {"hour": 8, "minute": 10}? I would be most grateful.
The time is {"hour": 9, "minute": 48}
